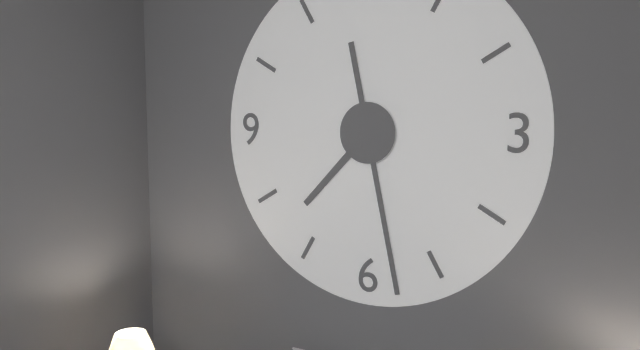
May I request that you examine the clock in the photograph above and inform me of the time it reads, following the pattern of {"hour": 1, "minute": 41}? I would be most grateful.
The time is {"hour": 7, "minute": 28}
